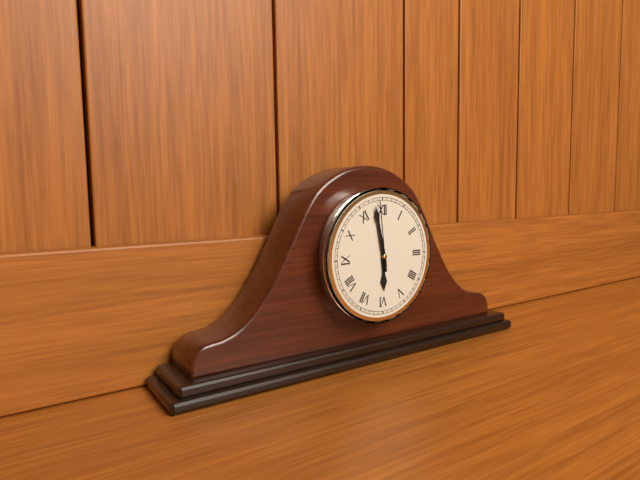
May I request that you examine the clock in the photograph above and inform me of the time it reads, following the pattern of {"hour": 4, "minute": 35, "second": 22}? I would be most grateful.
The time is {"hour": 5, "minute": 58, "second": 59}
